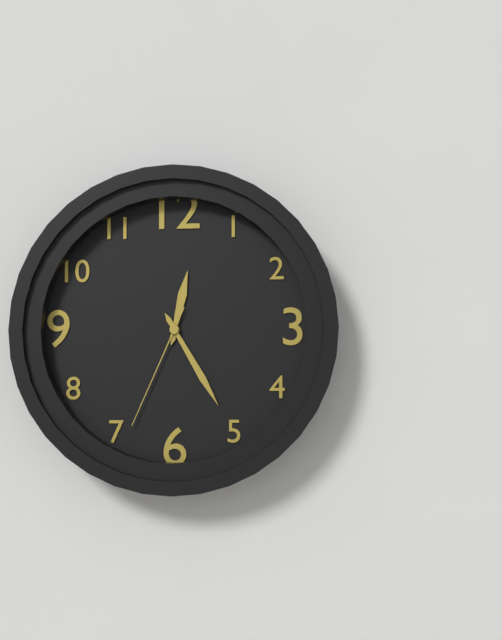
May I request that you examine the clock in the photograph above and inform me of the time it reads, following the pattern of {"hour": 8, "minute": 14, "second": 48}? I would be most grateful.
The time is {"hour": 12, "minute": 25, "second": 34}
